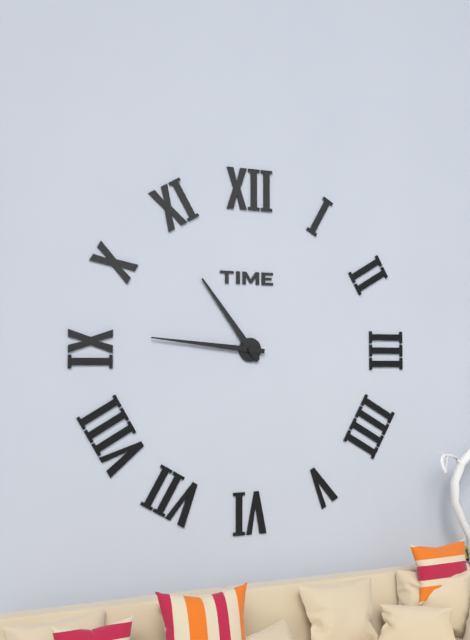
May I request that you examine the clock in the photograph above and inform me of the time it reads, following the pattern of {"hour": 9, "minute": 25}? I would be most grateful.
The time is {"hour": 10, "minute": 46}
